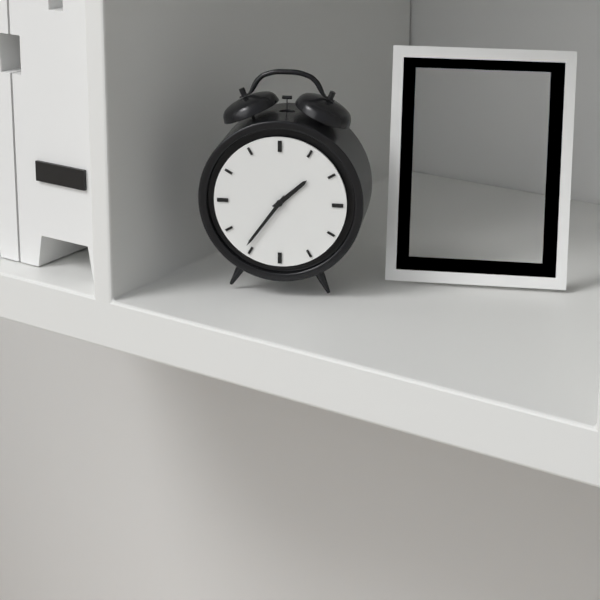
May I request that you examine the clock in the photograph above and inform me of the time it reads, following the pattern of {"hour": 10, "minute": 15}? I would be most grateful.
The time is {"hour": 1, "minute": 36}
